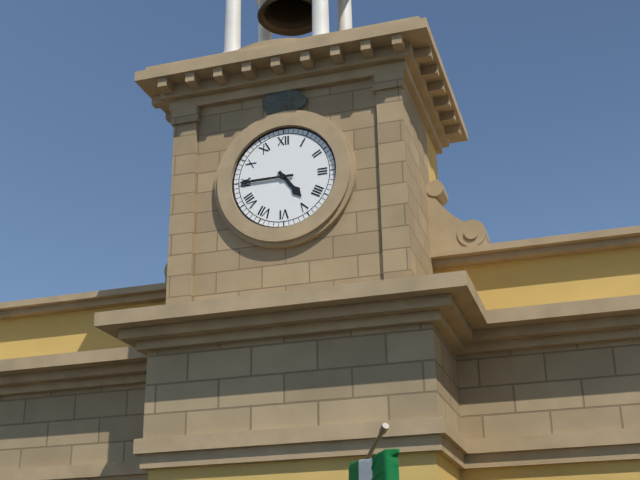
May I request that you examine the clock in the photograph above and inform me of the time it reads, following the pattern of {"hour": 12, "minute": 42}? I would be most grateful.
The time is {"hour": 4, "minute": 45}
